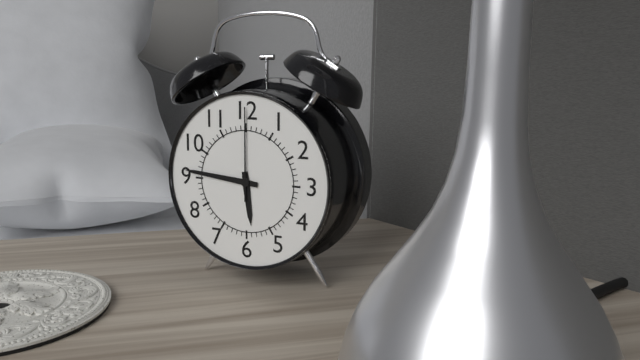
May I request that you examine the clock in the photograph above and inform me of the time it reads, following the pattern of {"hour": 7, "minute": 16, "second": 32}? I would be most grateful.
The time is {"hour": 5, "minute": 46, "second": 0}
